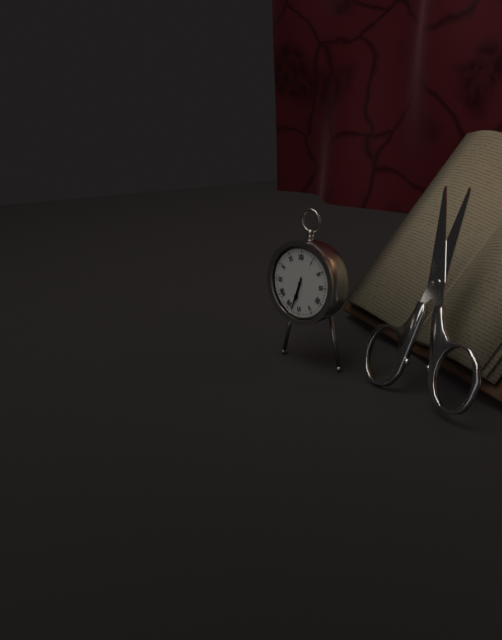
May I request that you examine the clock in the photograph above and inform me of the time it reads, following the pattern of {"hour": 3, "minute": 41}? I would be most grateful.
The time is {"hour": 6, "minute": 33}
